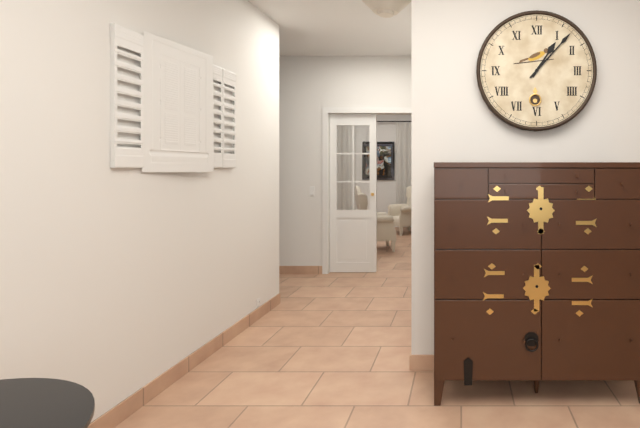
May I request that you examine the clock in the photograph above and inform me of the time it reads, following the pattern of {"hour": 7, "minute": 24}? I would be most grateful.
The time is {"hour": 1, "minute": 7}
